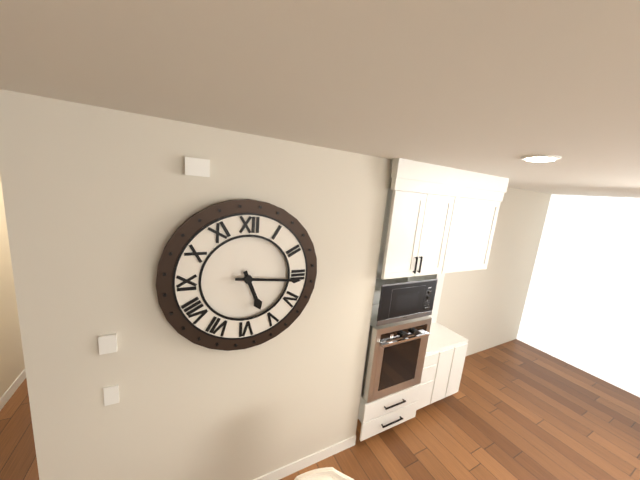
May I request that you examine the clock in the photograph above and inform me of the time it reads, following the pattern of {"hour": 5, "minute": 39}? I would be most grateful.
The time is {"hour": 5, "minute": 16}
